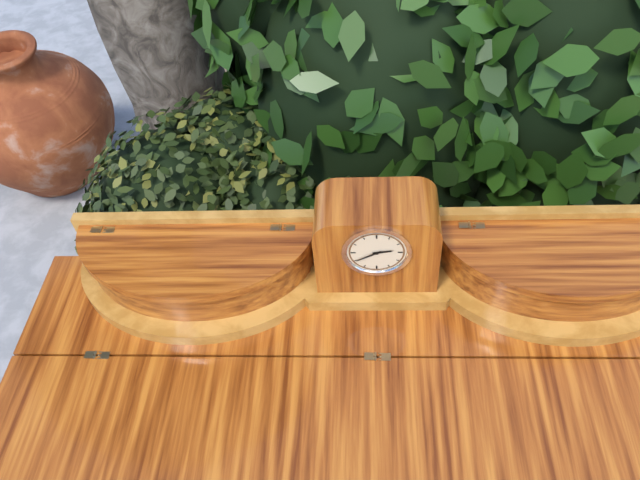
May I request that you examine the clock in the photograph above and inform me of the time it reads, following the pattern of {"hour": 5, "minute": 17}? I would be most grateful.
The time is {"hour": 2, "minute": 40}
